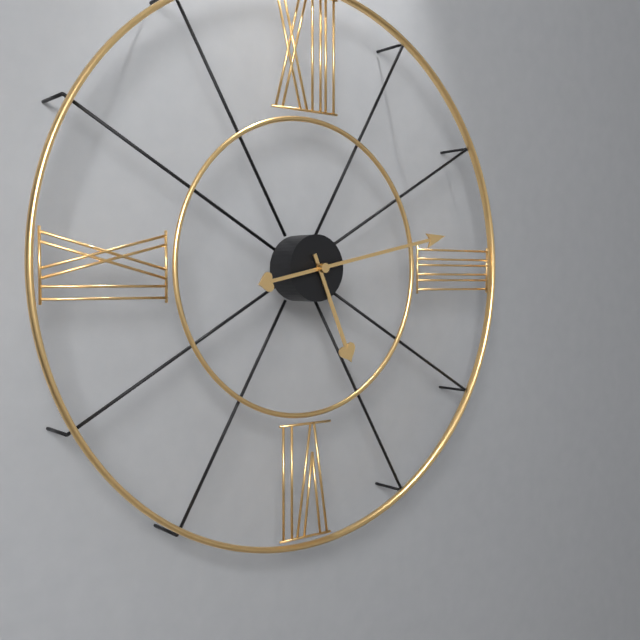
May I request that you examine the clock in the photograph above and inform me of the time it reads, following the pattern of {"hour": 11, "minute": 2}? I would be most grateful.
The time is {"hour": 5, "minute": 13}
